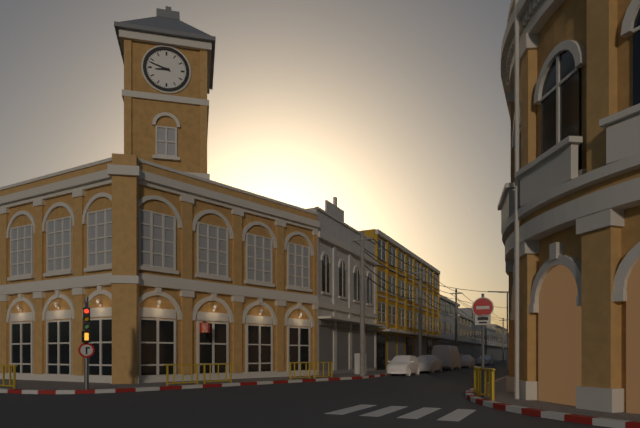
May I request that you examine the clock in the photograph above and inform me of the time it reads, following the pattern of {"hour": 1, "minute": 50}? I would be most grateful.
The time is {"hour": 8, "minute": 48}
